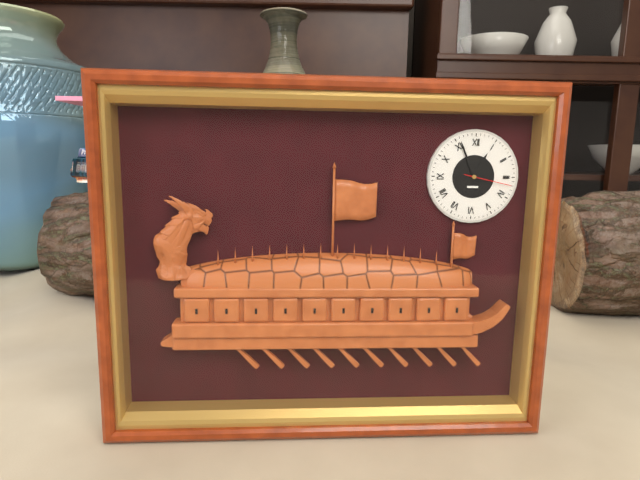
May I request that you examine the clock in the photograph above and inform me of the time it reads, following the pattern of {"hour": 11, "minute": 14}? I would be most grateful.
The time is {"hour": 12, "minute": 56}
